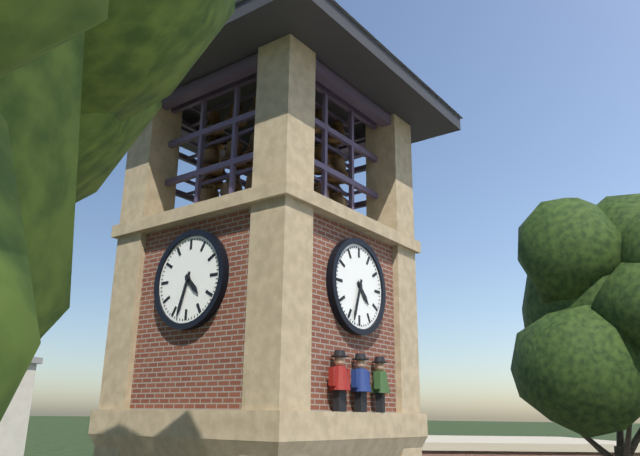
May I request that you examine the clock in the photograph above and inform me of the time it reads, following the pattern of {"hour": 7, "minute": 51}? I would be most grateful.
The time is {"hour": 4, "minute": 33}
